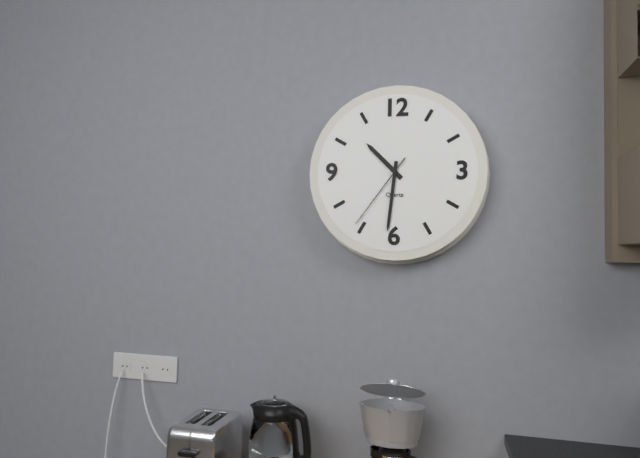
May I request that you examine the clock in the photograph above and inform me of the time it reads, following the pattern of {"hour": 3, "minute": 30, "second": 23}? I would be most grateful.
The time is {"hour": 10, "minute": 31, "second": 36}
